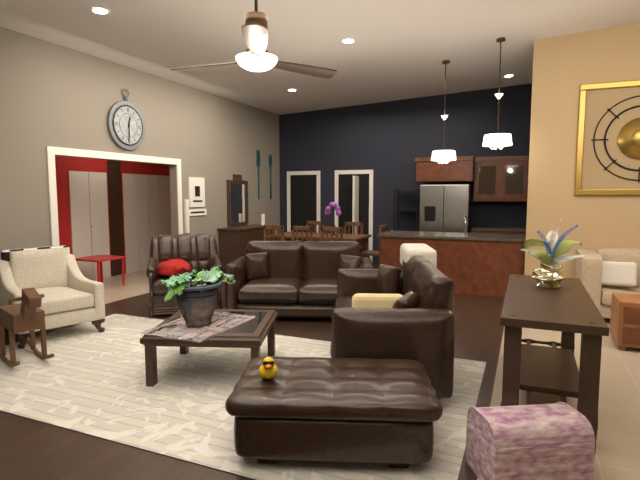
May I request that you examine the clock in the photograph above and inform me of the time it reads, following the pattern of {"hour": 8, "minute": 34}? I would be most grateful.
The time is {"hour": 12, "minute": 30}
